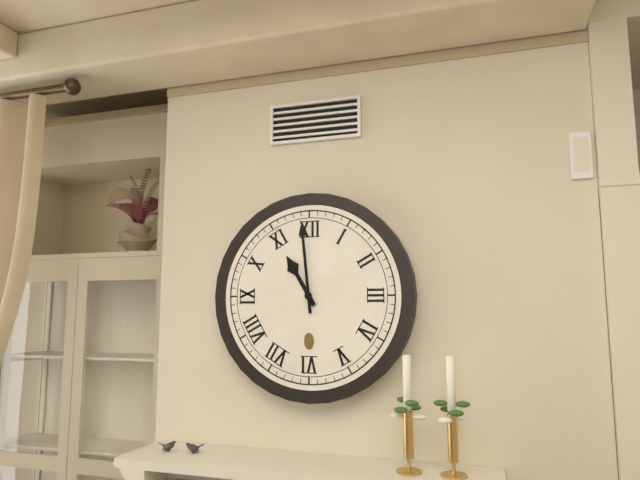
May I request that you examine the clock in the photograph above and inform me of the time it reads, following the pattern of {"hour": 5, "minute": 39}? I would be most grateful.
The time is {"hour": 10, "minute": 59}
